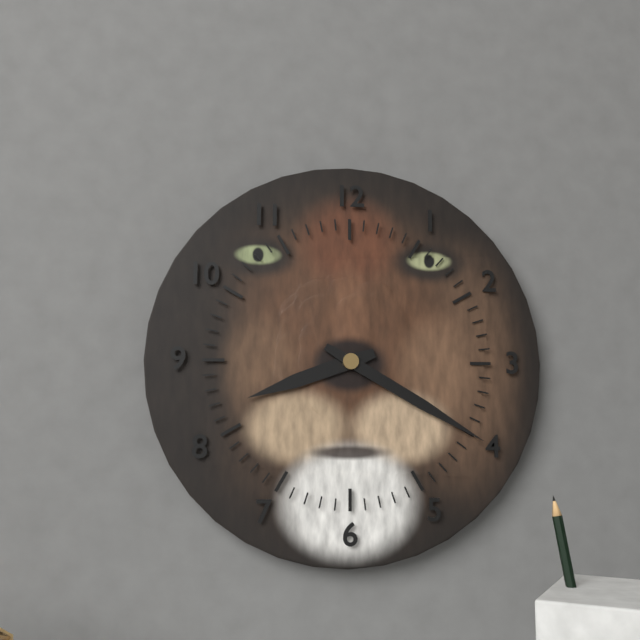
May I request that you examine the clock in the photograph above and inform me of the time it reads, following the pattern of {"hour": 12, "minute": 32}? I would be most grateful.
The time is {"hour": 8, "minute": 20}
